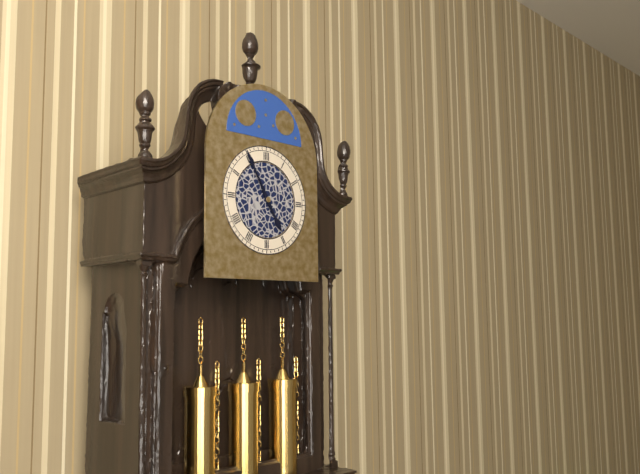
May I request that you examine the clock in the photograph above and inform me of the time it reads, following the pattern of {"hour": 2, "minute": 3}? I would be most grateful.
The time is {"hour": 4, "minute": 55}
